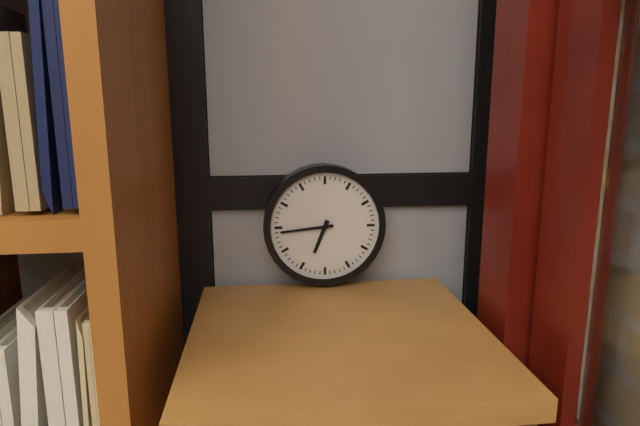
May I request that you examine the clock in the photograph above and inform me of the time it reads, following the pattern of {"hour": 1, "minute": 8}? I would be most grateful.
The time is {"hour": 6, "minute": 44}
